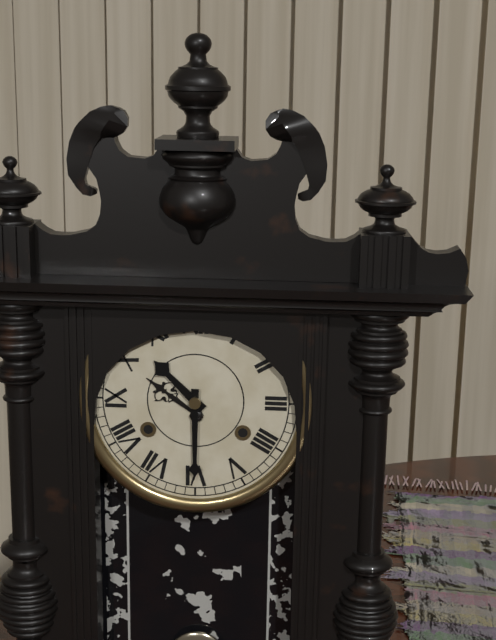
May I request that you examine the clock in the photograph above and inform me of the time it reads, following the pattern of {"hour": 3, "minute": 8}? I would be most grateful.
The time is {"hour": 10, "minute": 30}
